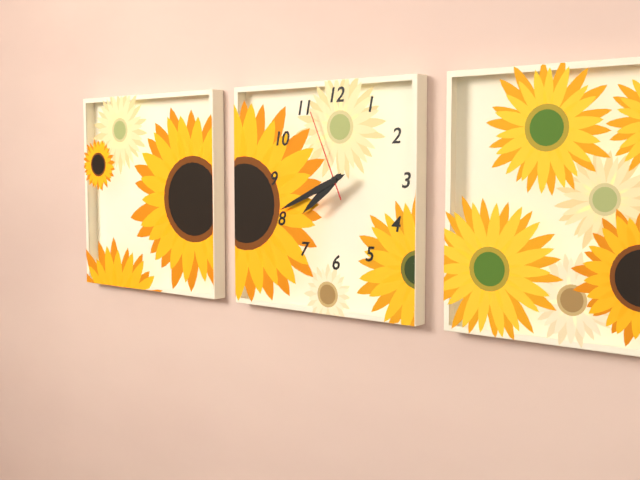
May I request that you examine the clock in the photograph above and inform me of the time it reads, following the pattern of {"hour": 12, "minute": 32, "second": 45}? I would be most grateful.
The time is {"hour": 7, "minute": 41, "second": 56}
